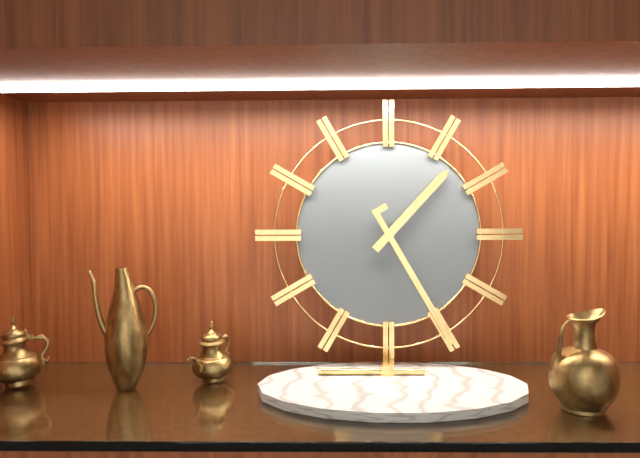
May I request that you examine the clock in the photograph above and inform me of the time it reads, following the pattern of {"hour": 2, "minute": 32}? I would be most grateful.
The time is {"hour": 1, "minute": 25}
